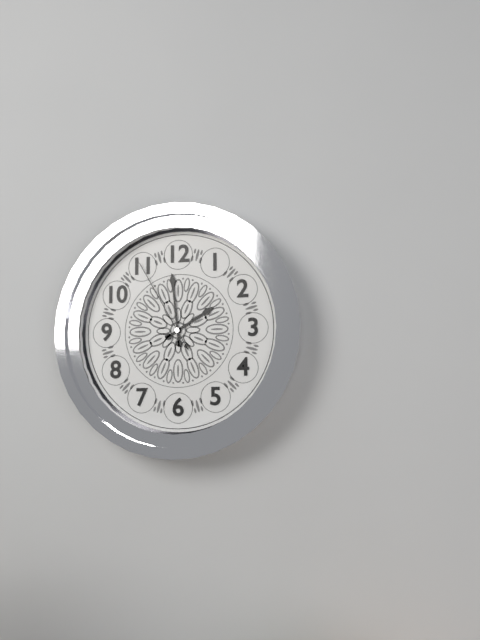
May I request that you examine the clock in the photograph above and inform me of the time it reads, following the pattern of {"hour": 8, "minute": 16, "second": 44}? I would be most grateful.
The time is {"hour": 1, "minute": 59, "second": 55}
